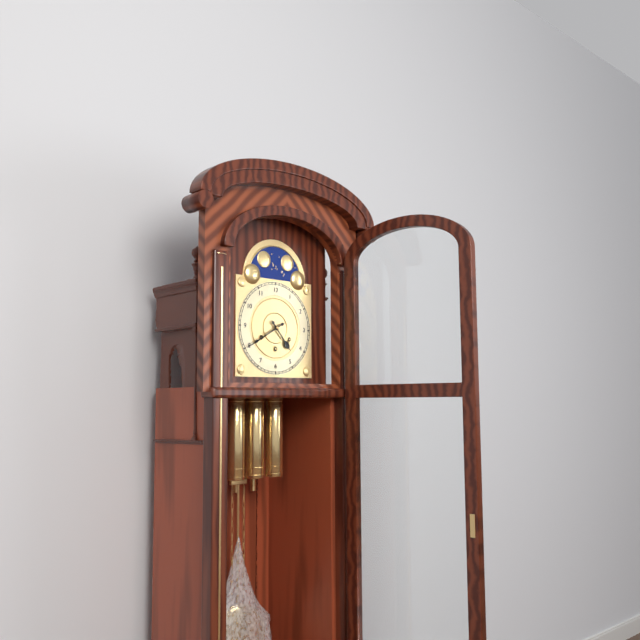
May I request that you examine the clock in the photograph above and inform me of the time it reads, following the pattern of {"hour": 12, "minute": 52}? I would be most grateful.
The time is {"hour": 4, "minute": 40}
